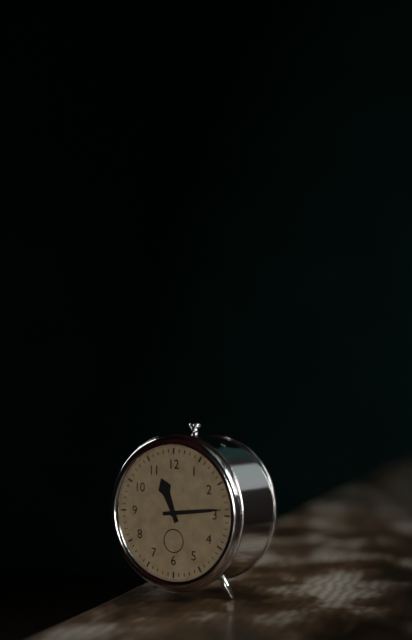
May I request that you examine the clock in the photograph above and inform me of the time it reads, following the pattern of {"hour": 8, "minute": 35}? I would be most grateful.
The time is {"hour": 11, "minute": 14}
